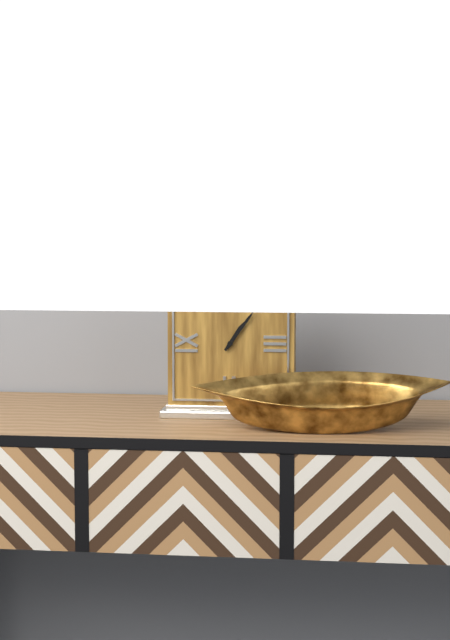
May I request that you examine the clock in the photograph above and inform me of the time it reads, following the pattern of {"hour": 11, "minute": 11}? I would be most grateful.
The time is {"hour": 1, "minute": 6}
